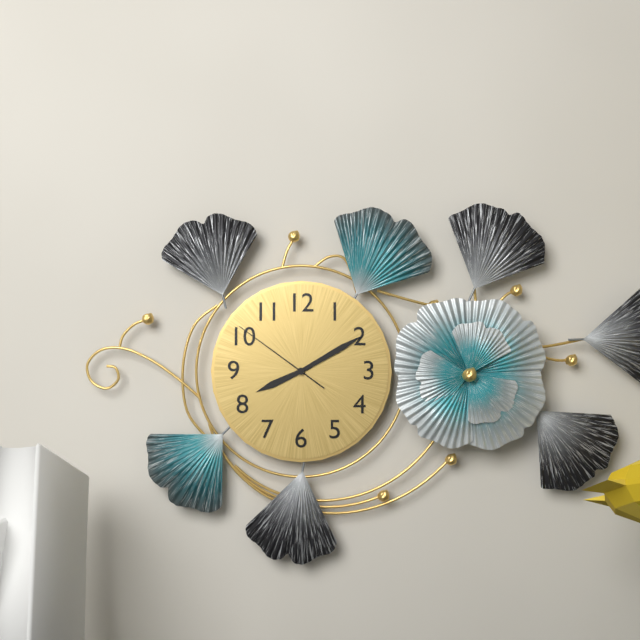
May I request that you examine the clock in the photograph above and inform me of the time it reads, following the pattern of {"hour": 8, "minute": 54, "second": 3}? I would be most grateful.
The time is {"hour": 8, "minute": 10, "second": 51}
